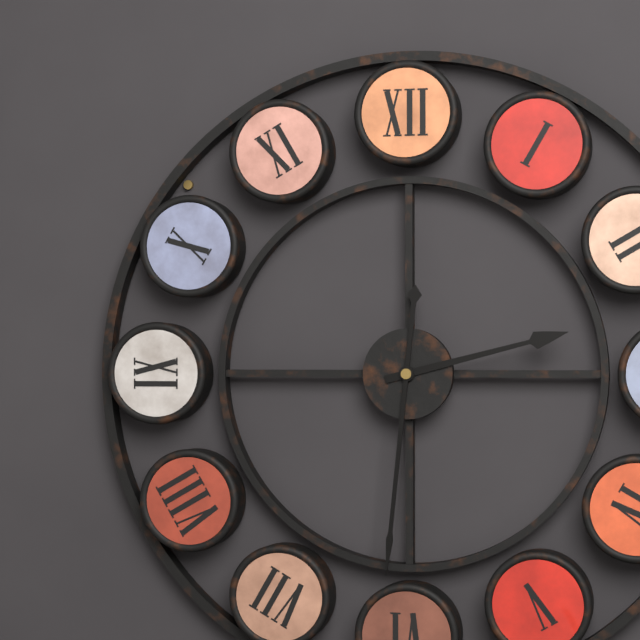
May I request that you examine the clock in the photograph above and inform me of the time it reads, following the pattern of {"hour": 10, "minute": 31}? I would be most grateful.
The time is {"hour": 2, "minute": 31}
